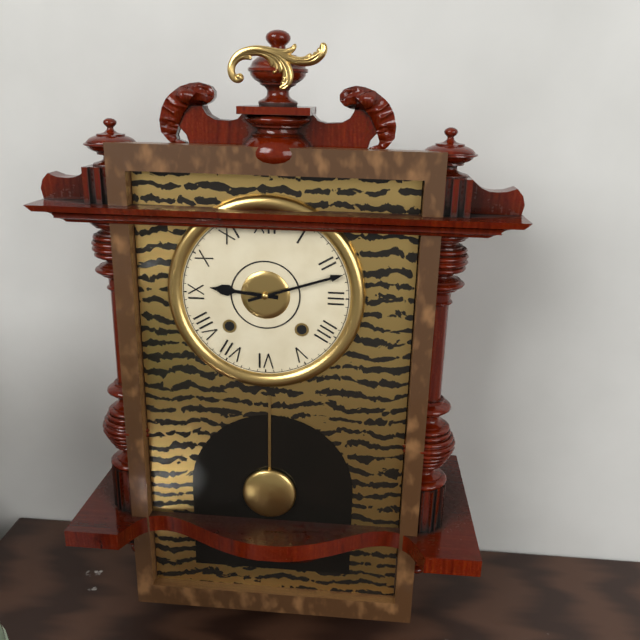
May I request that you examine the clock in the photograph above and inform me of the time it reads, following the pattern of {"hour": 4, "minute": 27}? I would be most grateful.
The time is {"hour": 9, "minute": 12}
